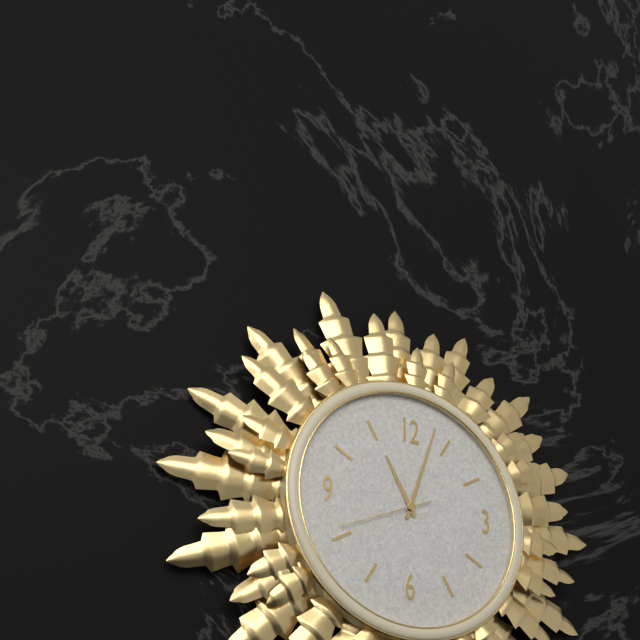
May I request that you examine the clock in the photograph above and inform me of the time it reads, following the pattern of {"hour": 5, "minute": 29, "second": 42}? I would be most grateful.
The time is {"hour": 11, "minute": 3, "second": 41}
